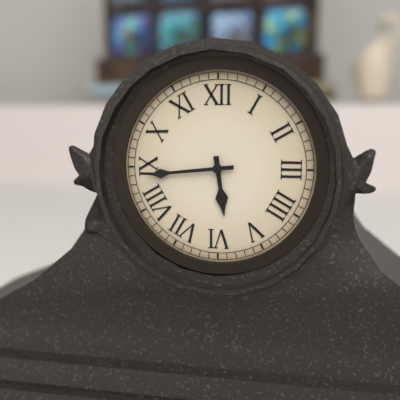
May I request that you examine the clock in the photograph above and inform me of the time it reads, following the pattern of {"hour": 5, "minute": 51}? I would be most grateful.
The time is {"hour": 5, "minute": 44}
